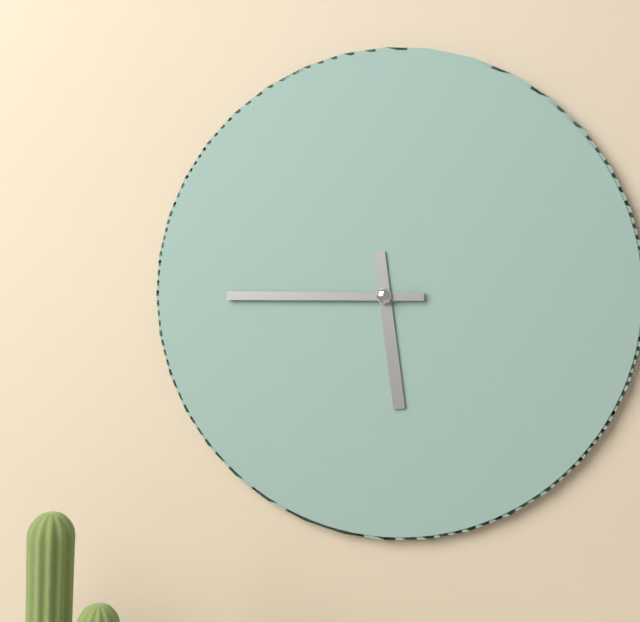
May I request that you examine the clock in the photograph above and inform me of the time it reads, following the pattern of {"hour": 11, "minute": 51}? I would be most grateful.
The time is {"hour": 5, "minute": 45}
